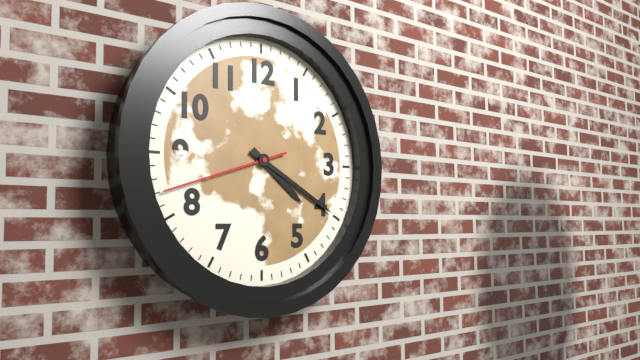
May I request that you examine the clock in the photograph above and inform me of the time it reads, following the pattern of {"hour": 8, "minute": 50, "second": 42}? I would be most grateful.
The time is {"hour": 4, "minute": 20, "second": 42}
